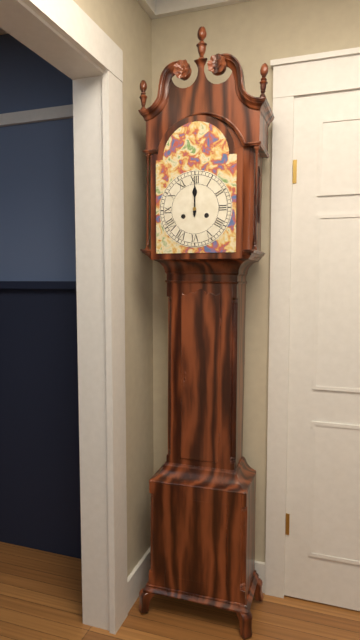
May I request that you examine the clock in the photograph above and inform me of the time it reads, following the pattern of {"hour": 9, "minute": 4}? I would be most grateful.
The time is {"hour": 12, "minute": 0}
